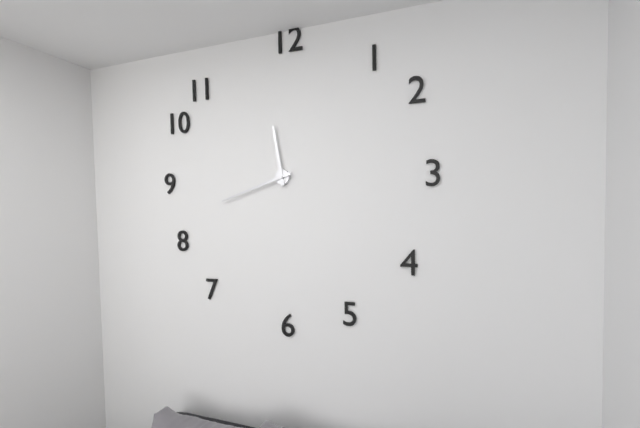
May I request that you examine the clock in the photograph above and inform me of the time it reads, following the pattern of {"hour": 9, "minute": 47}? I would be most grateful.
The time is {"hour": 11, "minute": 42}
